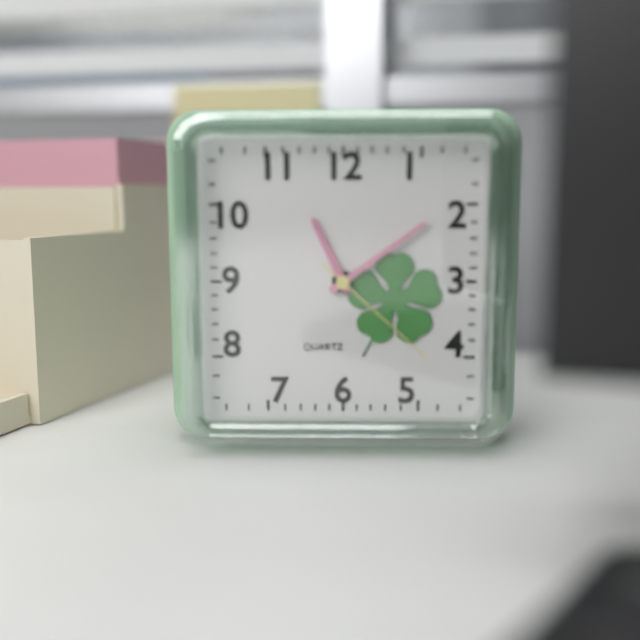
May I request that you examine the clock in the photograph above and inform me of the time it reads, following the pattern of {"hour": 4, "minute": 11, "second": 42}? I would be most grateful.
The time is {"hour": 11, "minute": 9, "second": 22}
